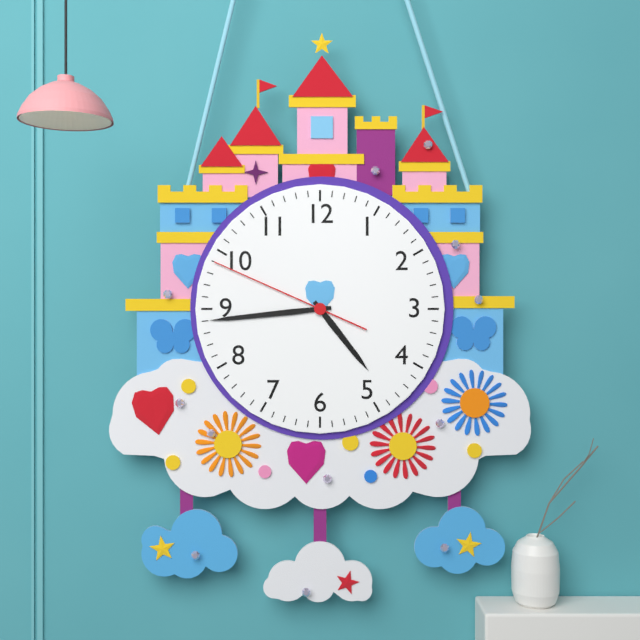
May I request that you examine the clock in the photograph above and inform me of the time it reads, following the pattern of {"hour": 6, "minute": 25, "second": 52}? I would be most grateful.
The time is {"hour": 4, "minute": 44, "second": 49}
